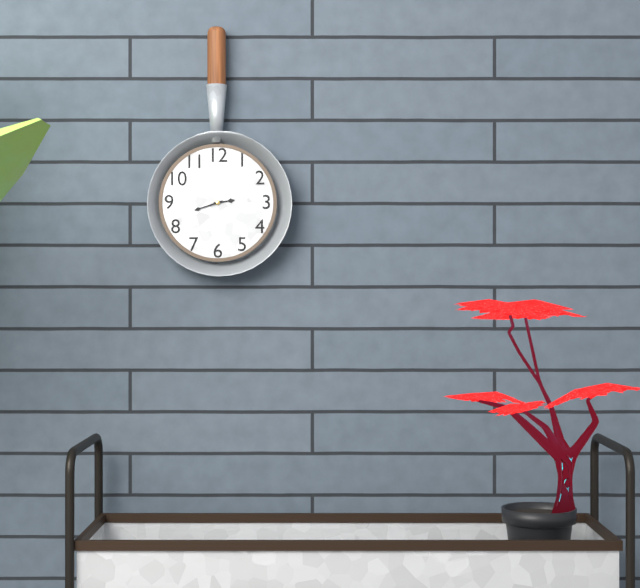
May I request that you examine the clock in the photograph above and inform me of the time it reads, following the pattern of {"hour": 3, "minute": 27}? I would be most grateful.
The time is {"hour": 2, "minute": 42}
